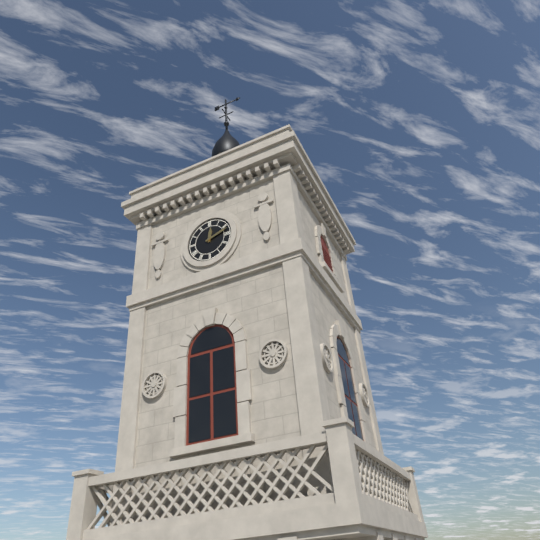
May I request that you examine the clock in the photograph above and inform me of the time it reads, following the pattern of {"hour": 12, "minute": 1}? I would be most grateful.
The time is {"hour": 12, "minute": 12}
